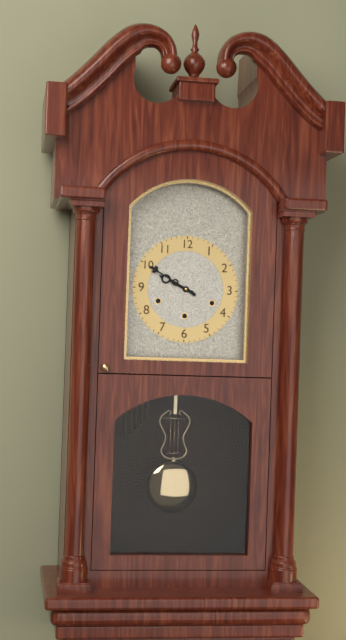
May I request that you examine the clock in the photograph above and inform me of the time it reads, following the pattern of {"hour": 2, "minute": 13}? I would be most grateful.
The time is {"hour": 9, "minute": 50}
